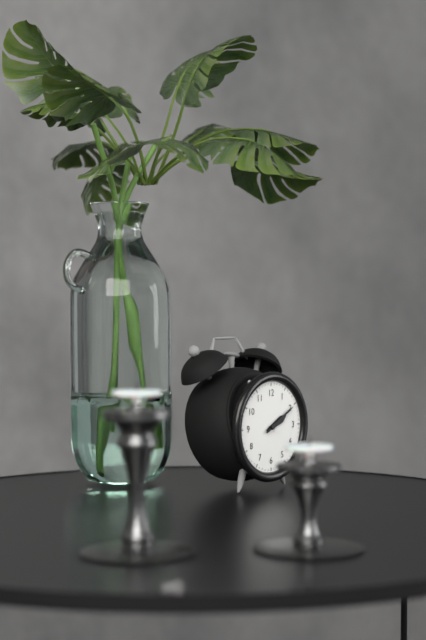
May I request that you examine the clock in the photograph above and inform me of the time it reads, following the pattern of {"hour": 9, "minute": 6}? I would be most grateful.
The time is {"hour": 2, "minute": 10}
